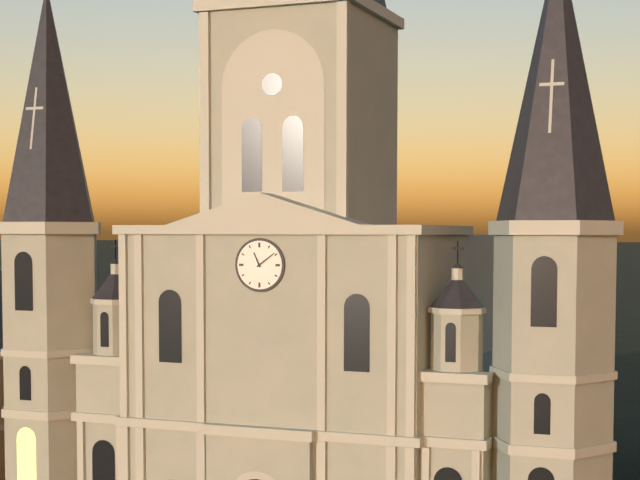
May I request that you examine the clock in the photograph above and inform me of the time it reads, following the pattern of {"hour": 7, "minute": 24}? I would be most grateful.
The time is {"hour": 11, "minute": 9}
